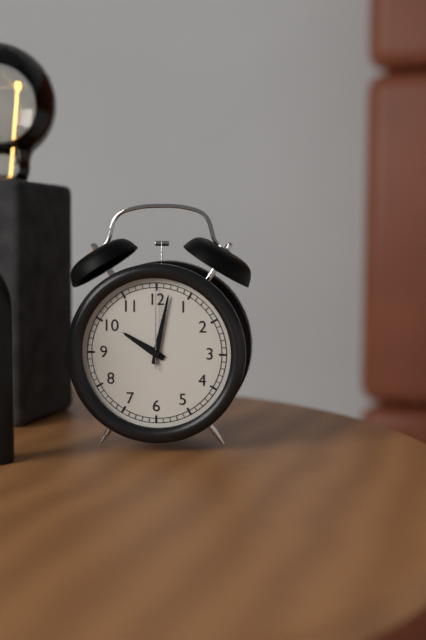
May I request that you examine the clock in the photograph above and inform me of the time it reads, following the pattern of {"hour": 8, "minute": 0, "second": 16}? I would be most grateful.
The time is {"hour": 10, "minute": 2, "second": 0}
